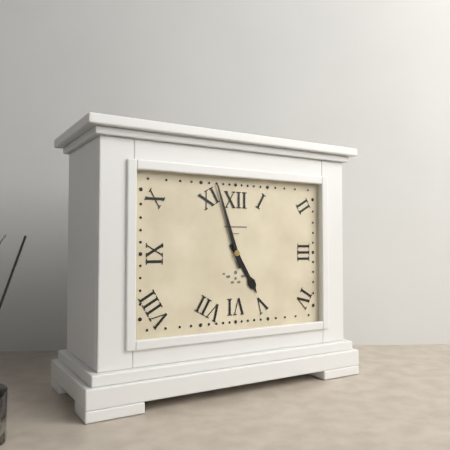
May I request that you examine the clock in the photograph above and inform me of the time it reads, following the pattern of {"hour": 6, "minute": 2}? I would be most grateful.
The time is {"hour": 4, "minute": 57}
